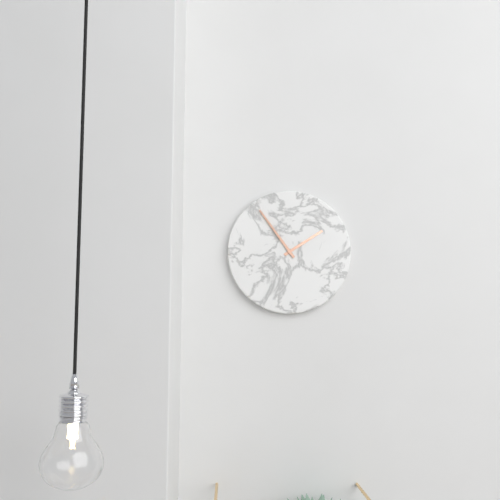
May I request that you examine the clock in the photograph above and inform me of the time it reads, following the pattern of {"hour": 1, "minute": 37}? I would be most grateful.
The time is {"hour": 1, "minute": 54}
